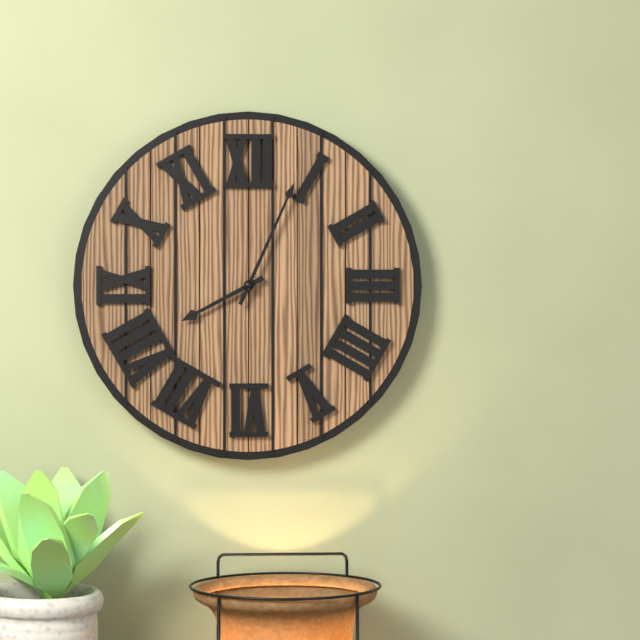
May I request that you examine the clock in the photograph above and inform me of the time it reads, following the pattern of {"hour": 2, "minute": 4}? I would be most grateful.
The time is {"hour": 8, "minute": 4}
